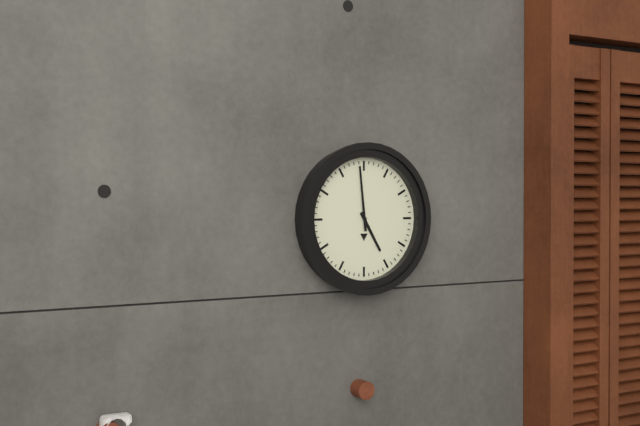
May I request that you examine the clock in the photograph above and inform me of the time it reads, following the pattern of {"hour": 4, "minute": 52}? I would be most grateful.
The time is {"hour": 4, "minute": 59}
